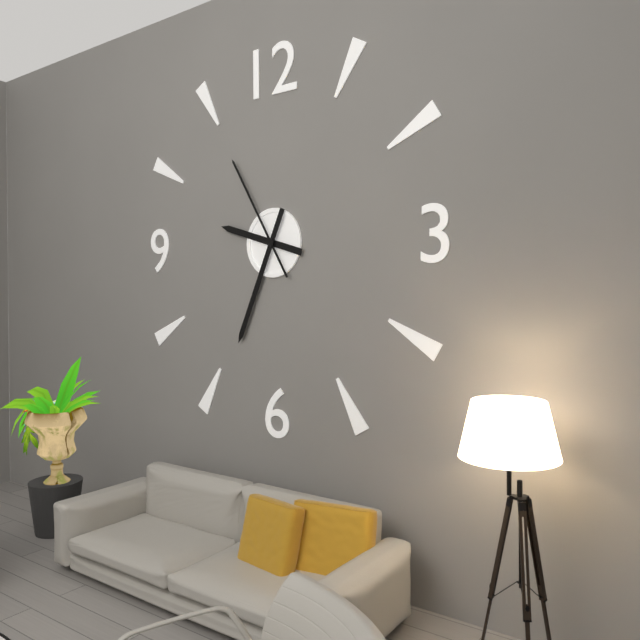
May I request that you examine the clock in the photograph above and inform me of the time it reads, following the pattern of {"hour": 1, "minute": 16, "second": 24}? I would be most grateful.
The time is {"hour": 9, "minute": 34, "second": 55}
